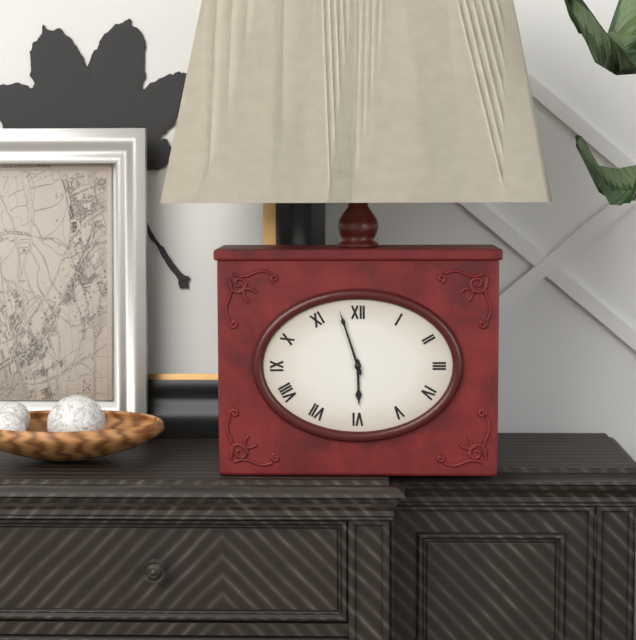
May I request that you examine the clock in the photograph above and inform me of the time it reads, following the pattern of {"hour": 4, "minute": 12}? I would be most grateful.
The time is {"hour": 5, "minute": 57}
